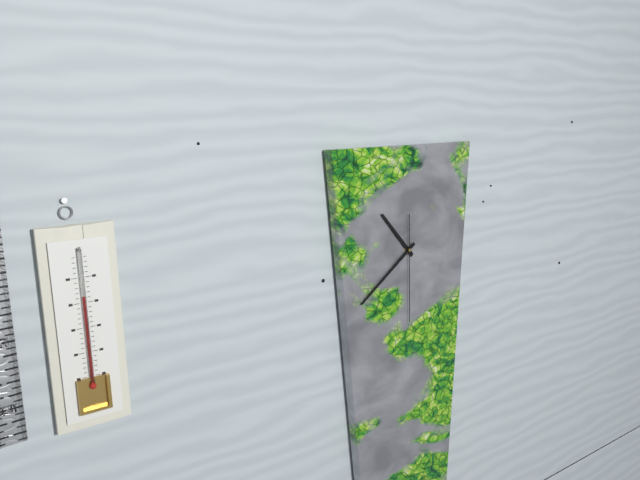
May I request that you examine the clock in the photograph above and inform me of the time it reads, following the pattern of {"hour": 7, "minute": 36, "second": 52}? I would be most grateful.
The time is {"hour": 10, "minute": 39, "second": 30}
